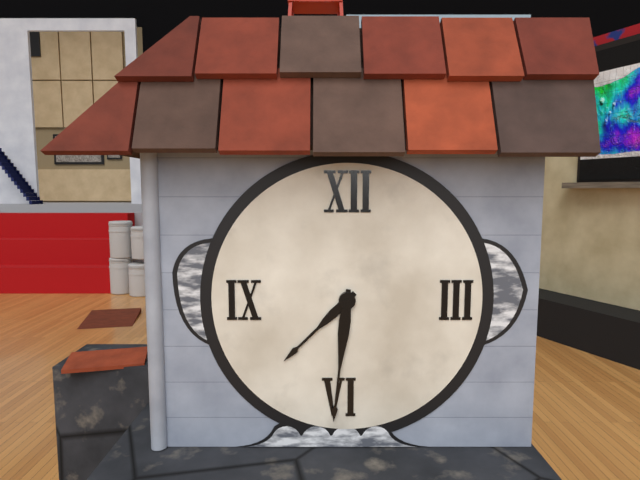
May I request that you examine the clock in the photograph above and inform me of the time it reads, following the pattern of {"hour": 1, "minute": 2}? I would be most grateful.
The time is {"hour": 7, "minute": 31}
